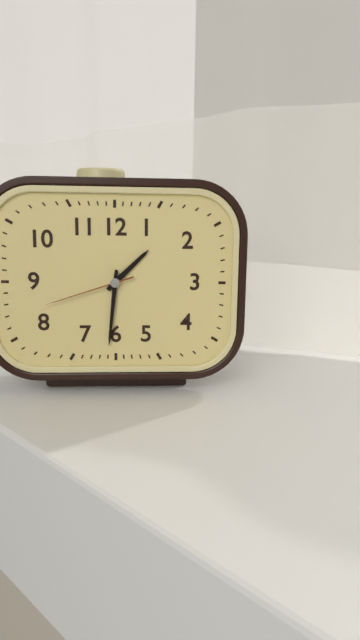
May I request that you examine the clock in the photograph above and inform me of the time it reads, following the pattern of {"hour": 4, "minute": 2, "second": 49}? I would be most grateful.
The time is {"hour": 1, "minute": 31, "second": 42}
